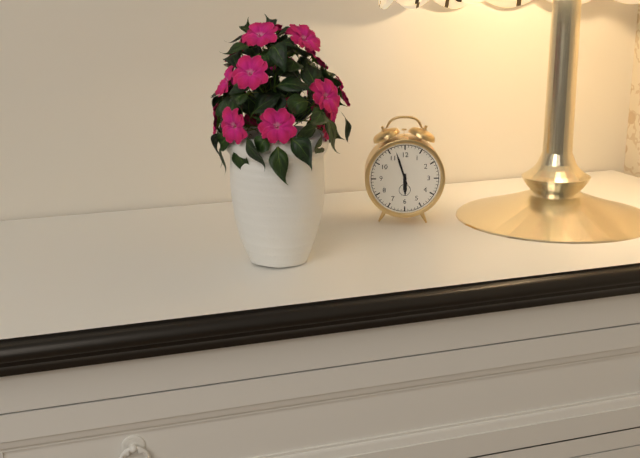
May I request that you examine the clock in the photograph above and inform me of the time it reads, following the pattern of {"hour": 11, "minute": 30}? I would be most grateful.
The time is {"hour": 5, "minute": 57}
